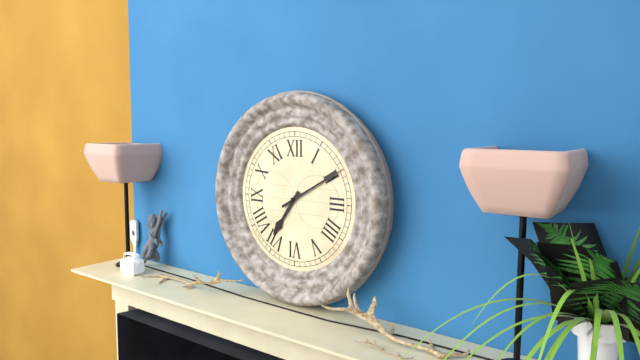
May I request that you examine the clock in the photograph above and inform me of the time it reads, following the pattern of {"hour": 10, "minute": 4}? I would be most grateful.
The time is {"hour": 7, "minute": 10}
